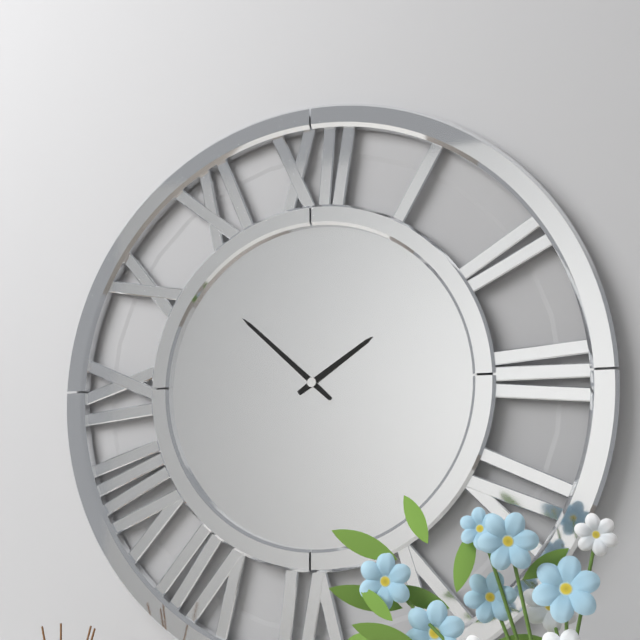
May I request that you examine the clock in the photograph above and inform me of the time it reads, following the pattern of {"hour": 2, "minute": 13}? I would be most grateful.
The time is {"hour": 1, "minute": 52}
